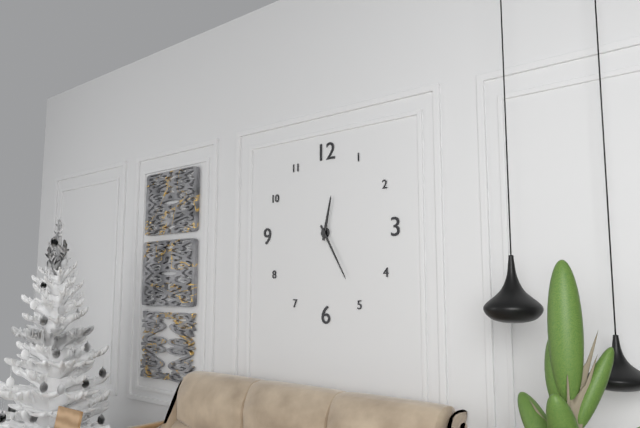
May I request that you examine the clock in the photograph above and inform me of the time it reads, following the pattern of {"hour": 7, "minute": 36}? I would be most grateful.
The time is {"hour": 12, "minute": 25}
